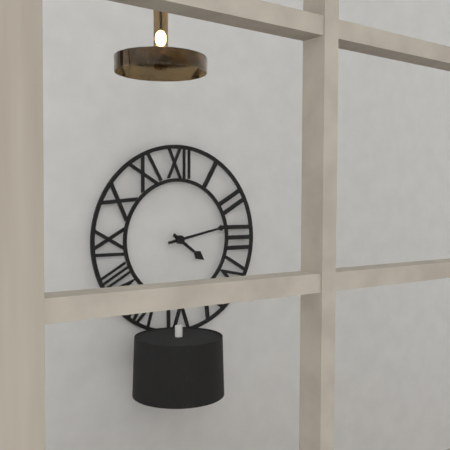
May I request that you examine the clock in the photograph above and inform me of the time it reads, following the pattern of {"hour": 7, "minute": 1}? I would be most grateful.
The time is {"hour": 4, "minute": 13}
